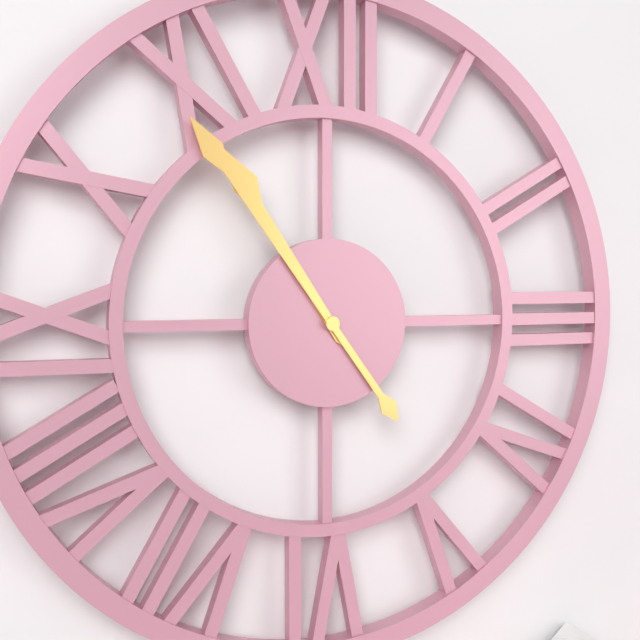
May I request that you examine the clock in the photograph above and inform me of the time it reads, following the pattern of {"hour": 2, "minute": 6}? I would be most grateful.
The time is {"hour": 10, "minute": 54}
